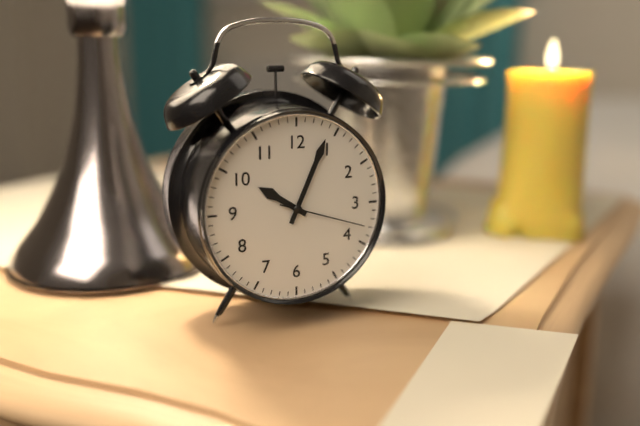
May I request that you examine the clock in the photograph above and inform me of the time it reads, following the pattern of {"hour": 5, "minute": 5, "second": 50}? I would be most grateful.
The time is {"hour": 10, "minute": 4, "second": 18}
